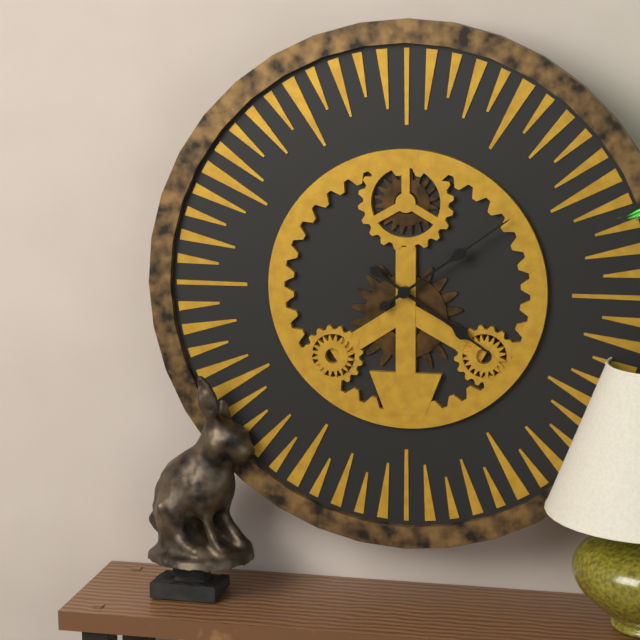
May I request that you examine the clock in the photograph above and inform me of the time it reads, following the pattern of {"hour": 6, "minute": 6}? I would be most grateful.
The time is {"hour": 4, "minute": 9}
